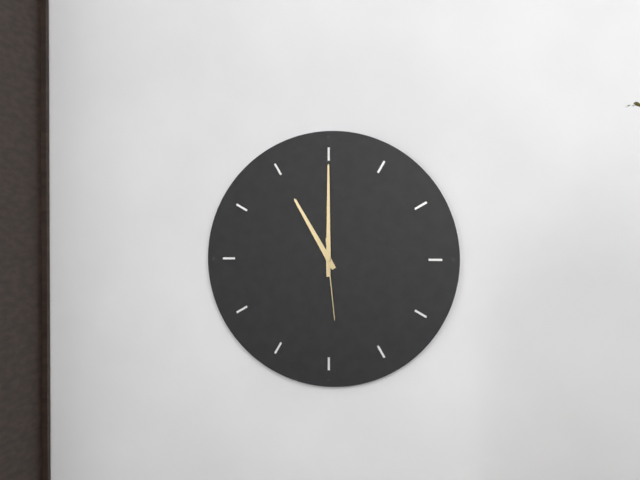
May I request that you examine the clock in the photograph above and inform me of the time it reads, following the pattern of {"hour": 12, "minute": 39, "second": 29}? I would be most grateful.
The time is {"hour": 11, "minute": 0, "second": 29}
